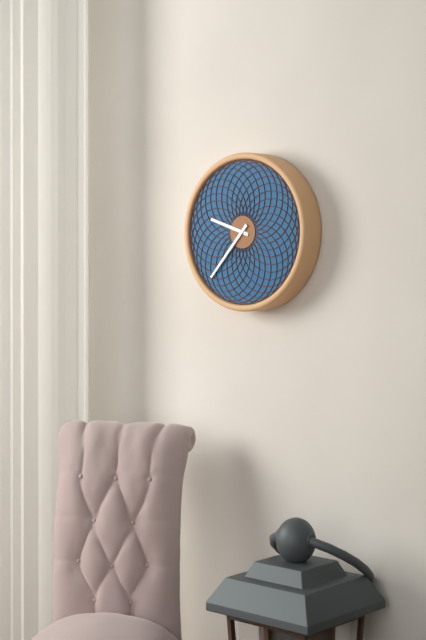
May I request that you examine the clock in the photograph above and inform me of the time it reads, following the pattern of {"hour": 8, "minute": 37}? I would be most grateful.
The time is {"hour": 9, "minute": 37}
